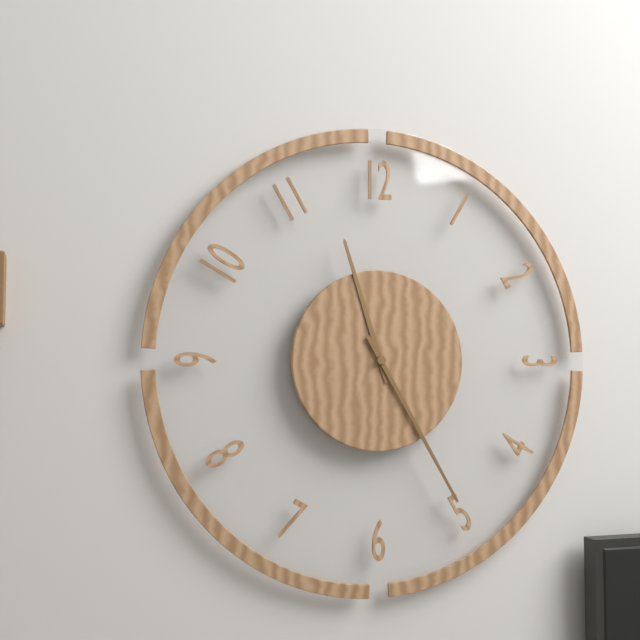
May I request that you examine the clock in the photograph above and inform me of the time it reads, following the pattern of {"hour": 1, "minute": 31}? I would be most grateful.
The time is {"hour": 11, "minute": 25}
